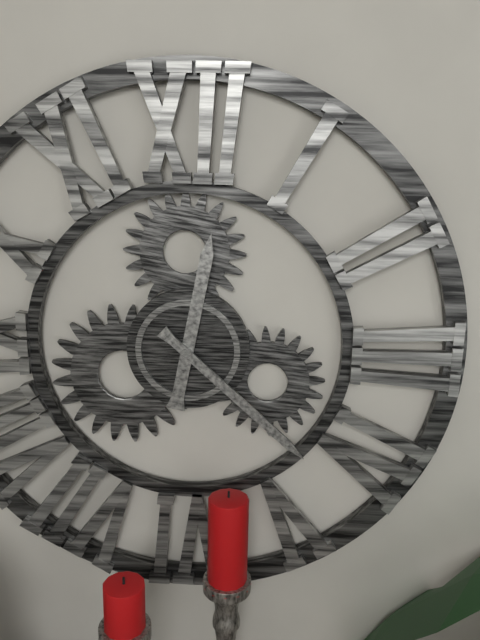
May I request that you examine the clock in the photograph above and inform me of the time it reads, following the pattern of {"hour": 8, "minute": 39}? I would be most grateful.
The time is {"hour": 12, "minute": 22}
